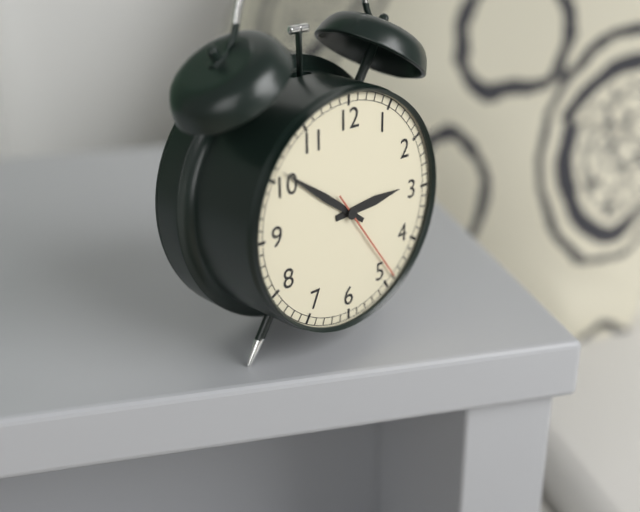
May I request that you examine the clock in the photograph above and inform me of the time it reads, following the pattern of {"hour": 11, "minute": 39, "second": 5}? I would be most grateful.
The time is {"hour": 2, "minute": 51, "second": 24}
